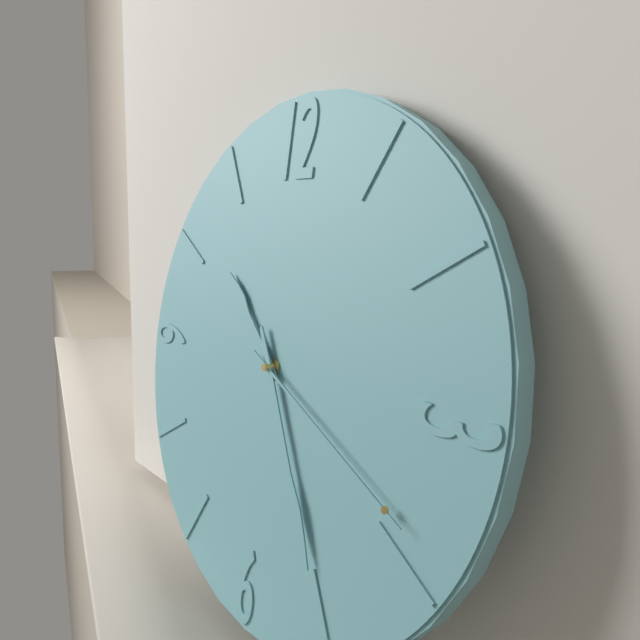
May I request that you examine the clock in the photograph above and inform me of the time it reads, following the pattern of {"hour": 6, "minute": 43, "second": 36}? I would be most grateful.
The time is {"hour": 10, "minute": 25, "second": 19}
